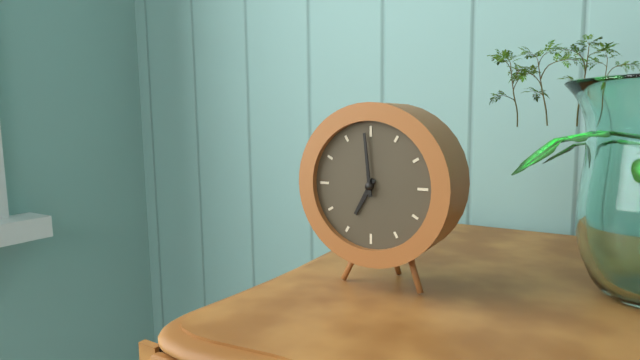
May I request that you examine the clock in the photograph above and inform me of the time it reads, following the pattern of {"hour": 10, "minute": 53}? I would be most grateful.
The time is {"hour": 6, "minute": 59}
